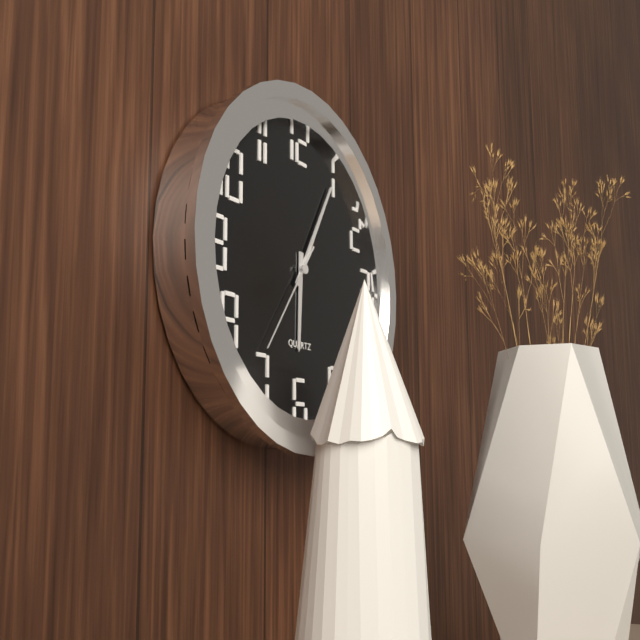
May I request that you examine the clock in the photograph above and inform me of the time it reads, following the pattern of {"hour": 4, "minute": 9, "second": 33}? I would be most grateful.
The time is {"hour": 6, "minute": 5, "second": 36}
